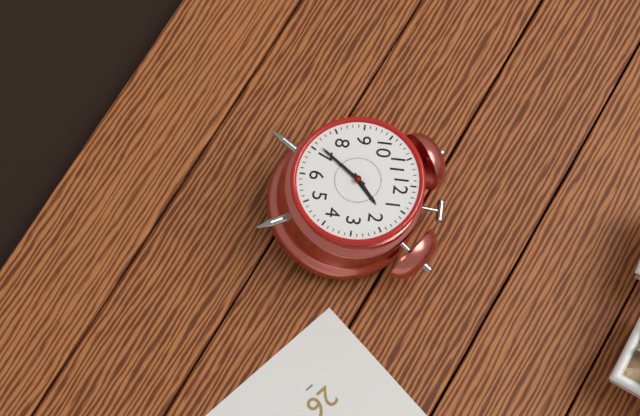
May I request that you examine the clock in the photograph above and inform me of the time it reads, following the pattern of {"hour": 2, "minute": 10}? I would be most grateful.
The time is {"hour": 1, "minute": 36}
